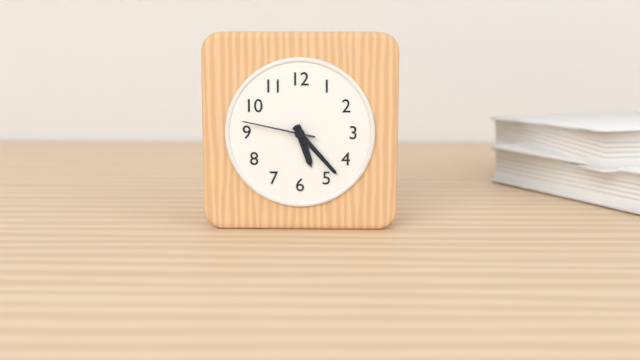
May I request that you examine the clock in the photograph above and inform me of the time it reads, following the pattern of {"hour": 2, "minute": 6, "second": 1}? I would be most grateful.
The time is {"hour": 5, "minute": 23, "second": 47}
